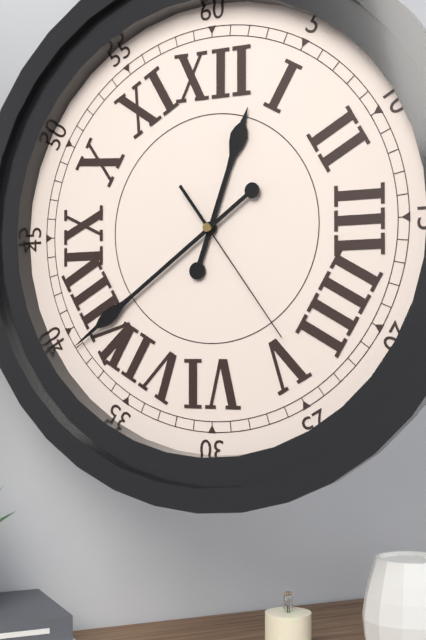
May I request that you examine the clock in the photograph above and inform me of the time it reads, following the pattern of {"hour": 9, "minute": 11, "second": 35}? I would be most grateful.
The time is {"hour": 12, "minute": 39, "second": 24}
